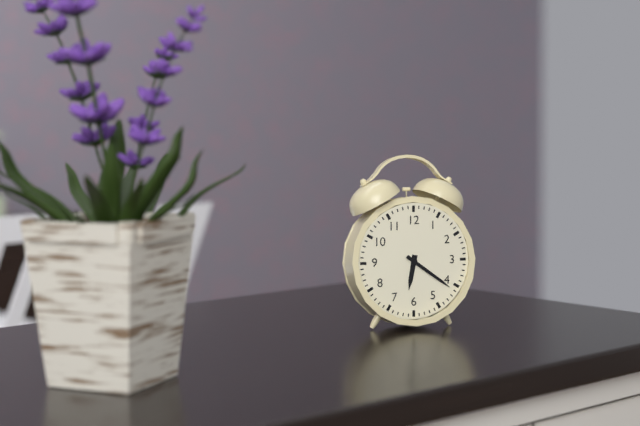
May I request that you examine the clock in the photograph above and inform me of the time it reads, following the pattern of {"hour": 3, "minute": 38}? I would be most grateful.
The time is {"hour": 6, "minute": 21}
